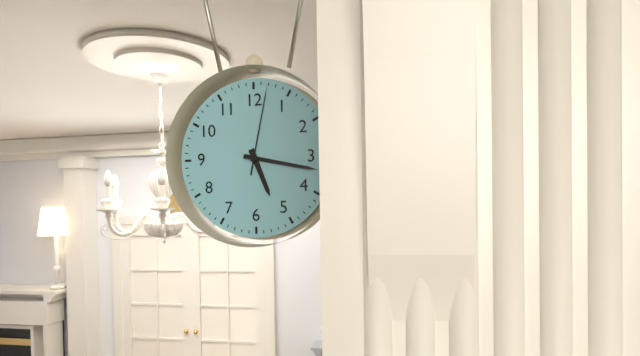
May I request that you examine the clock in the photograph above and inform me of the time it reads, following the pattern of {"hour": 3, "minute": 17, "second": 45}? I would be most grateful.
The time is {"hour": 5, "minute": 17, "second": 2}
